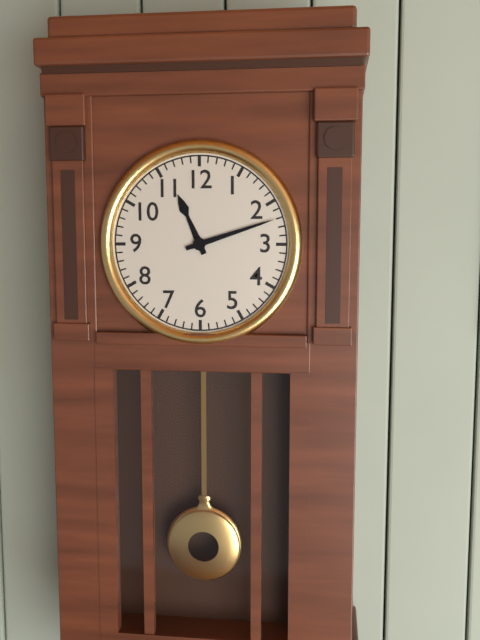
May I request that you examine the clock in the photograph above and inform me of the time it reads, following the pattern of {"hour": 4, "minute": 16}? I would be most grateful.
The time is {"hour": 11, "minute": 12}
